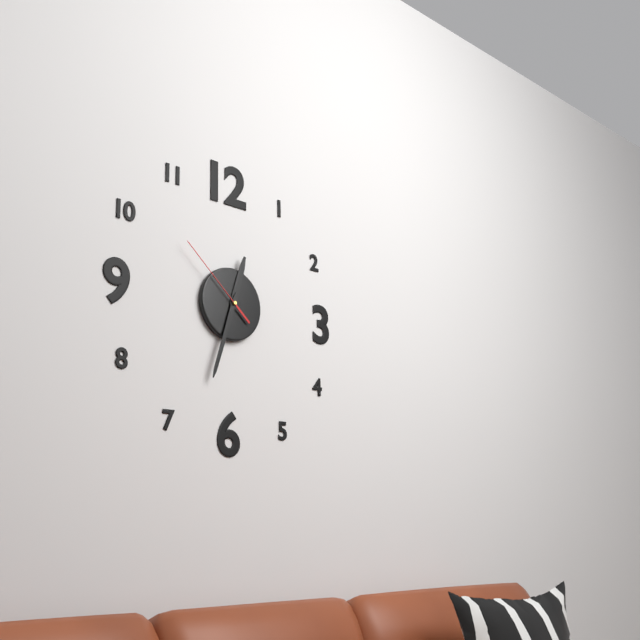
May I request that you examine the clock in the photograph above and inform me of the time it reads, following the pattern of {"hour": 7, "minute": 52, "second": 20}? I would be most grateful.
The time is {"hour": 12, "minute": 33, "second": 52}
